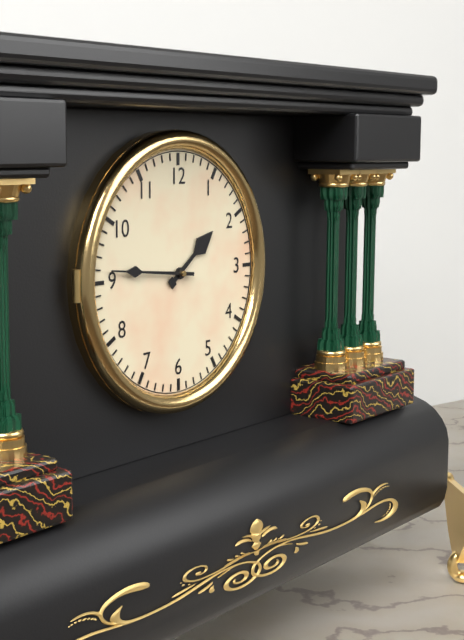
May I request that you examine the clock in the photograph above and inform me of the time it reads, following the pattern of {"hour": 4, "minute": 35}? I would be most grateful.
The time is {"hour": 1, "minute": 46}
